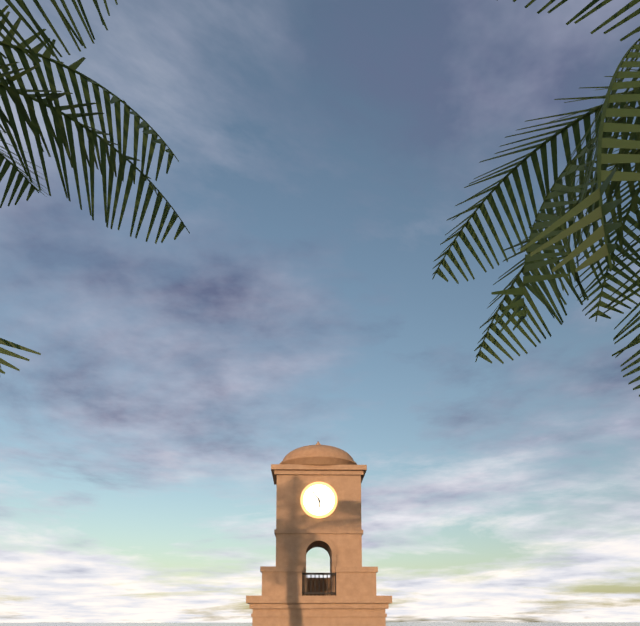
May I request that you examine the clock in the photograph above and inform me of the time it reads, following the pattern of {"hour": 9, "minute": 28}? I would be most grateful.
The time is {"hour": 5, "minute": 54}
